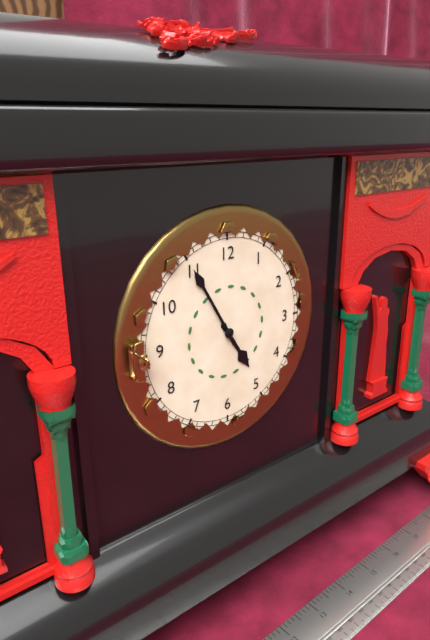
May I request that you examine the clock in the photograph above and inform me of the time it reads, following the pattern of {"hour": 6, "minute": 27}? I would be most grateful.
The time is {"hour": 4, "minute": 55}
